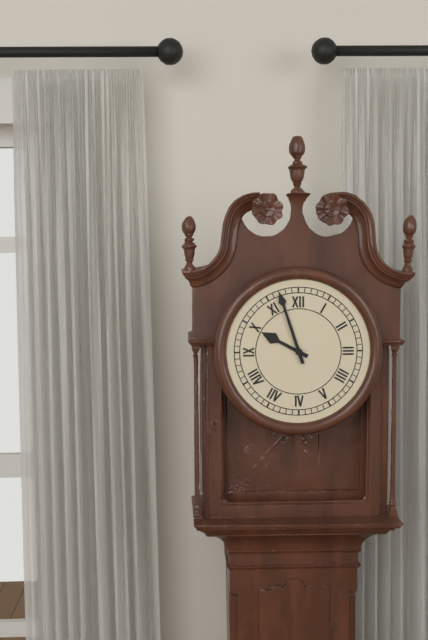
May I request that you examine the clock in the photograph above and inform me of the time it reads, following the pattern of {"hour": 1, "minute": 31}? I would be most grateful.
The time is {"hour": 9, "minute": 57}
